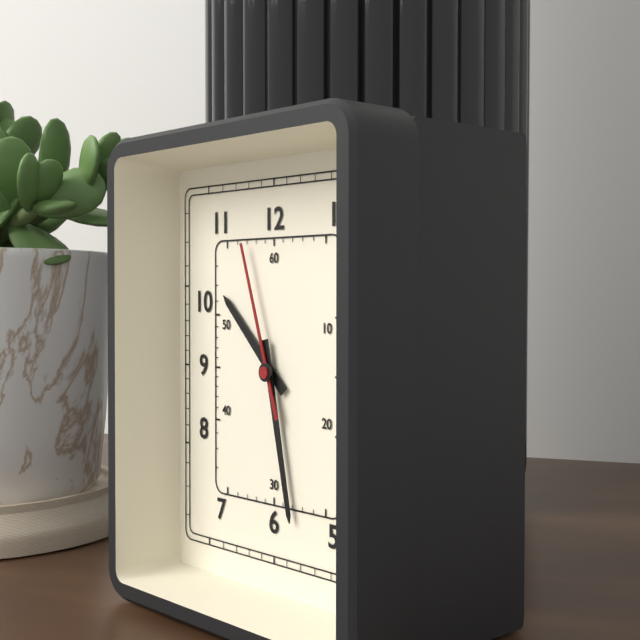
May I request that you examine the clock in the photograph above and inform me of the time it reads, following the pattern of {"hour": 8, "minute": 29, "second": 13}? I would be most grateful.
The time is {"hour": 10, "minute": 28, "second": 57}
